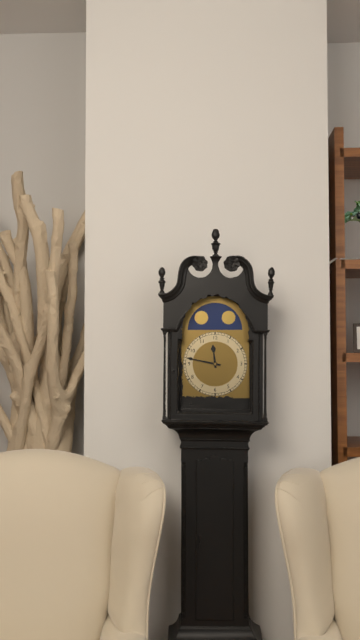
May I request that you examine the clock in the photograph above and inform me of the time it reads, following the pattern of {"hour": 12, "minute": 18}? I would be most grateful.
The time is {"hour": 11, "minute": 47}
